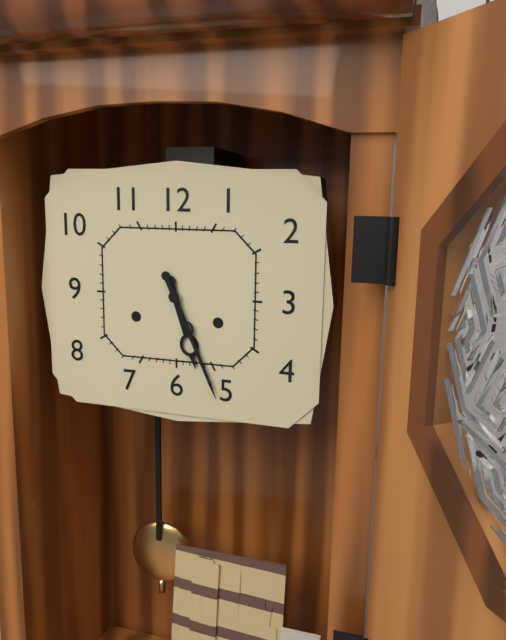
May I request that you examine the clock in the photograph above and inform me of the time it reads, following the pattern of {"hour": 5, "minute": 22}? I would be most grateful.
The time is {"hour": 5, "minute": 26}
